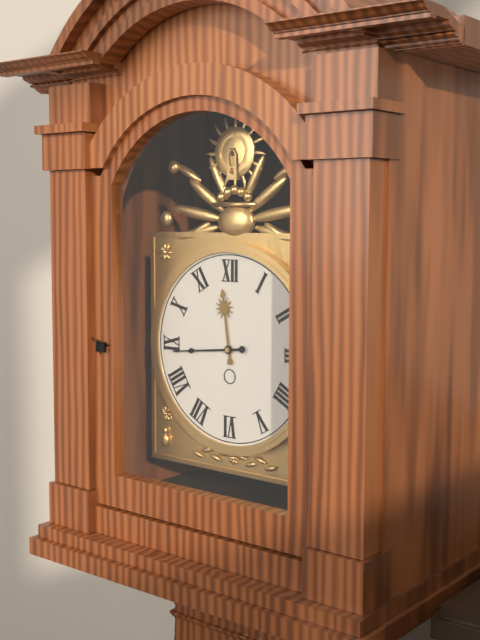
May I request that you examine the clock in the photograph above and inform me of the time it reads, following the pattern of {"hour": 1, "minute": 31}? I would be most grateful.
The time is {"hour": 11, "minute": 44}
